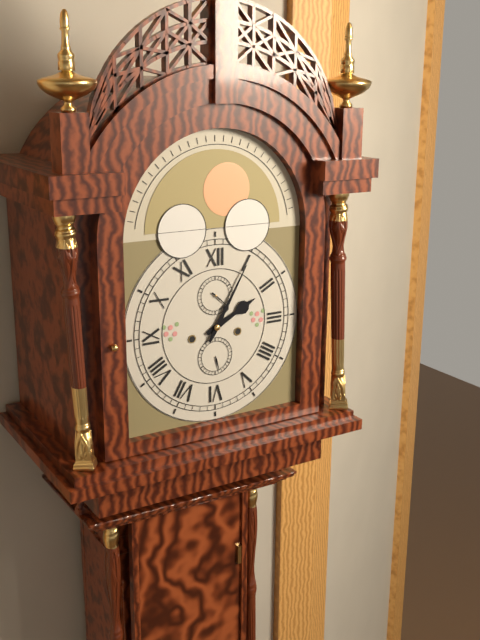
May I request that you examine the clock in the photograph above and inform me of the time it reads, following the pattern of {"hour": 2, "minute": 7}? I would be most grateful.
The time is {"hour": 2, "minute": 5}
